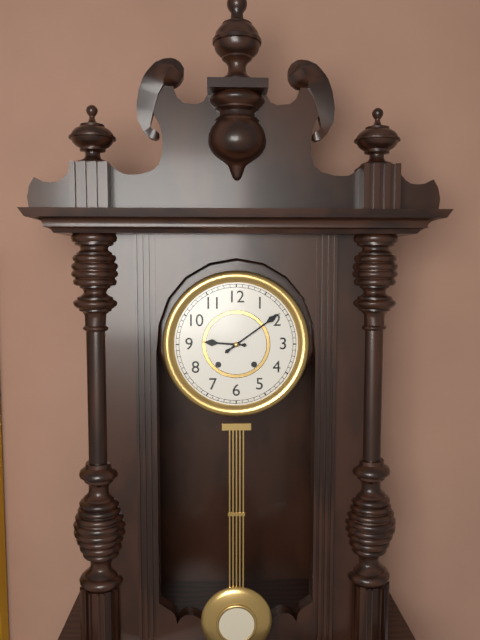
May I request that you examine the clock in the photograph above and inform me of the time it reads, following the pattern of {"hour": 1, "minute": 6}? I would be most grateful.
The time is {"hour": 9, "minute": 9}
